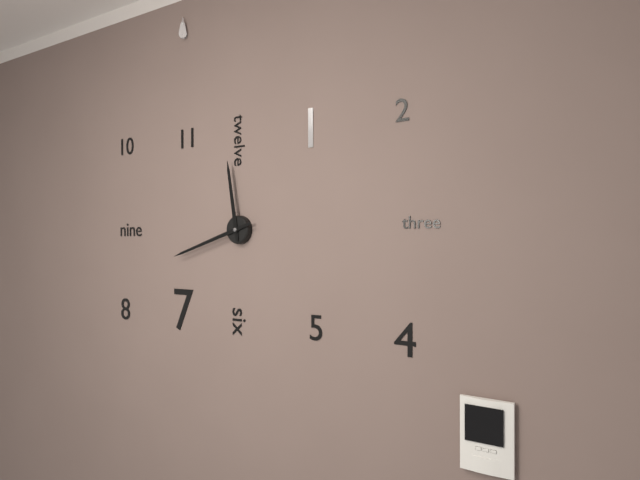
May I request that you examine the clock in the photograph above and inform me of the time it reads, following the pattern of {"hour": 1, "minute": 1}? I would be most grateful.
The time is {"hour": 11, "minute": 42}
